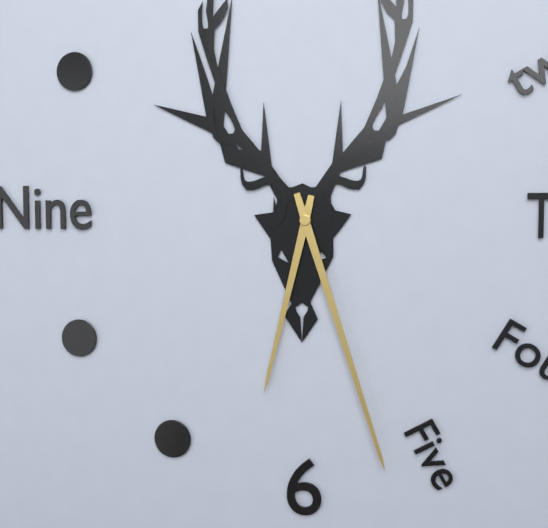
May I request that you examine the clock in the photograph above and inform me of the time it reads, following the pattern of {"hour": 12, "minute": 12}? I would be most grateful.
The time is {"hour": 6, "minute": 27}
